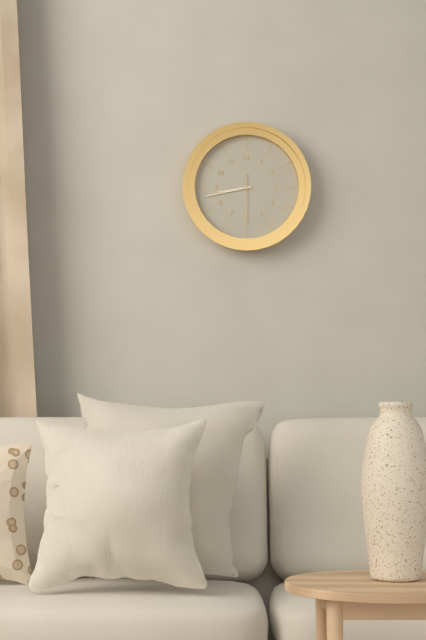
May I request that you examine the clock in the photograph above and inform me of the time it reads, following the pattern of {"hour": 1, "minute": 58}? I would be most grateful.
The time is {"hour": 8, "minute": 43}
